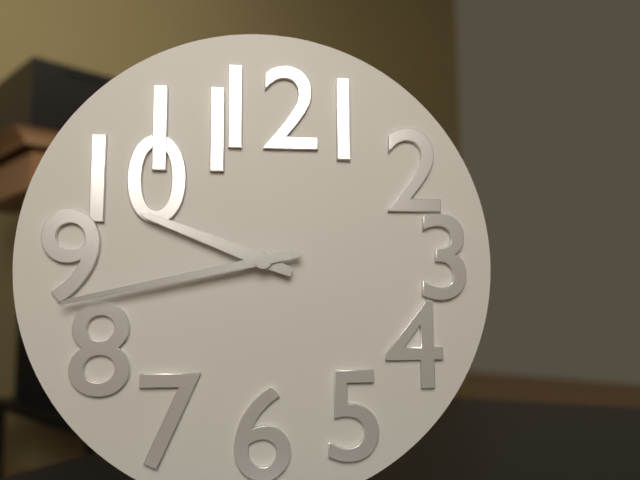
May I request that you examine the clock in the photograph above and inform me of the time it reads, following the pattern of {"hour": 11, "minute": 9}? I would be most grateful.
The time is {"hour": 9, "minute": 43}
